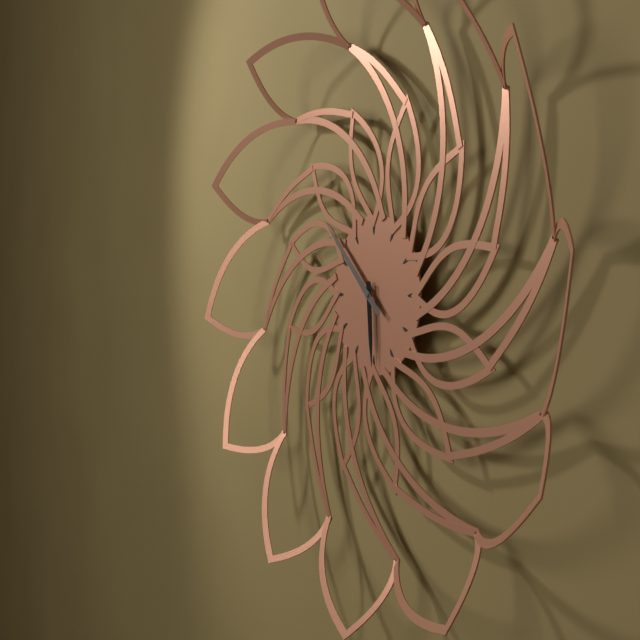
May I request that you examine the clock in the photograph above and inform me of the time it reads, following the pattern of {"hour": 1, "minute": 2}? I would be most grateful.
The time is {"hour": 5, "minute": 52}
